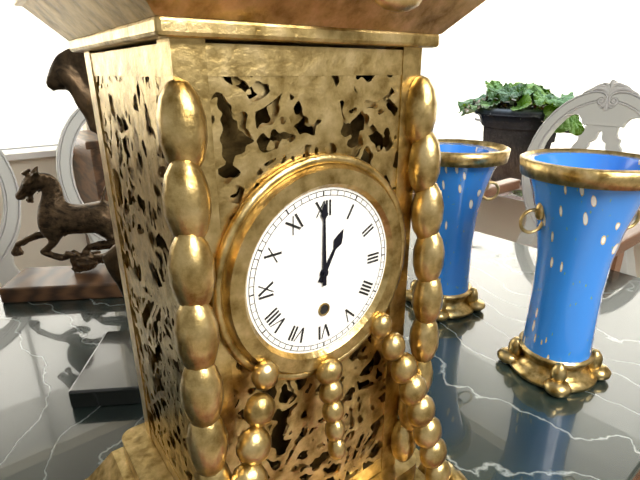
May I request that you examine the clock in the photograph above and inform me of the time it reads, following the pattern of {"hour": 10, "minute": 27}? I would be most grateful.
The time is {"hour": 1, "minute": 0}
